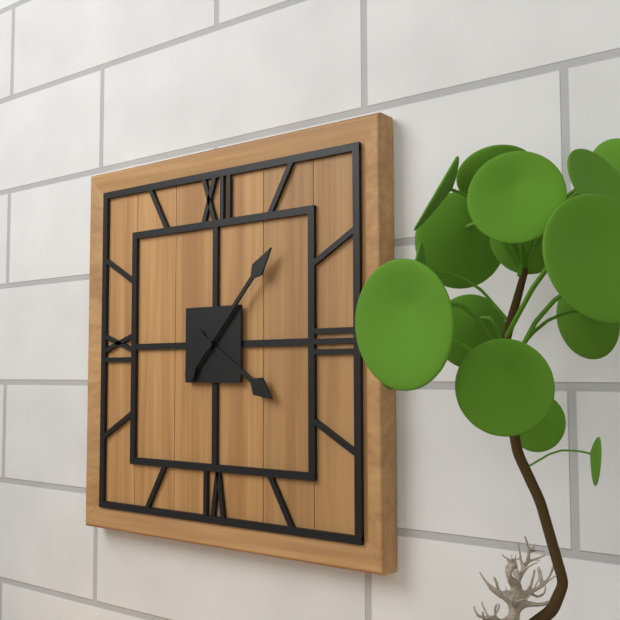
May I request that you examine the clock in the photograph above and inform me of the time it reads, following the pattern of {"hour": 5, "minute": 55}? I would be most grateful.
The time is {"hour": 4, "minute": 7}
